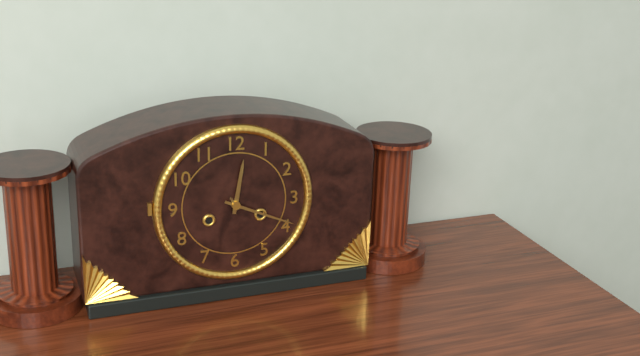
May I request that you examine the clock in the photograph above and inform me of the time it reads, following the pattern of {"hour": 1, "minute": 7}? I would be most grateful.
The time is {"hour": 12, "minute": 19}
